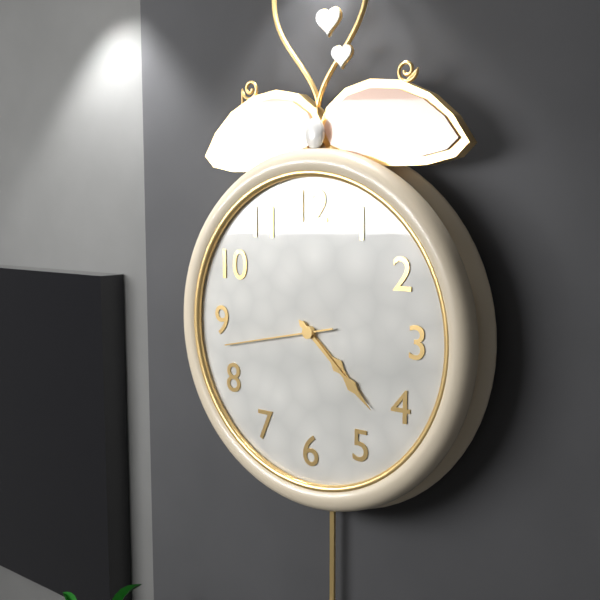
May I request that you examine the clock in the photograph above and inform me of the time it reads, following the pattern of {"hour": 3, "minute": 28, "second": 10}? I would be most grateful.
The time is {"hour": 4, "minute": 22, "second": 43}
